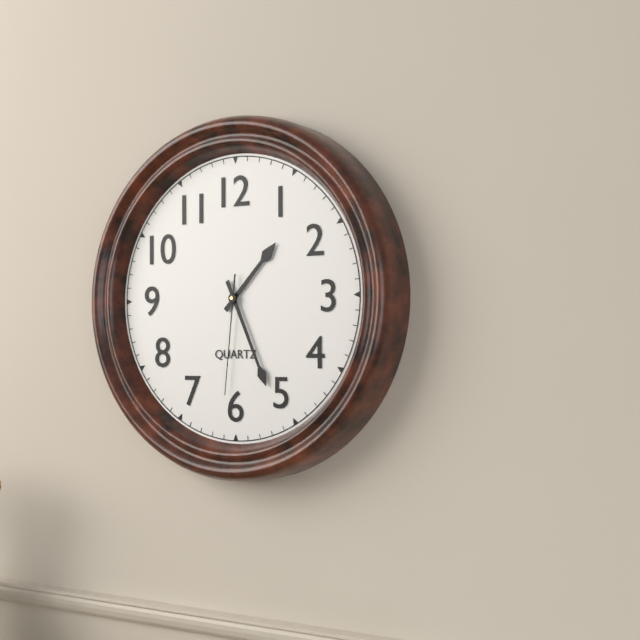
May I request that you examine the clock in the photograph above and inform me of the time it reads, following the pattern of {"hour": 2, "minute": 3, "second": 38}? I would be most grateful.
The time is {"hour": 1, "minute": 26, "second": 31}
